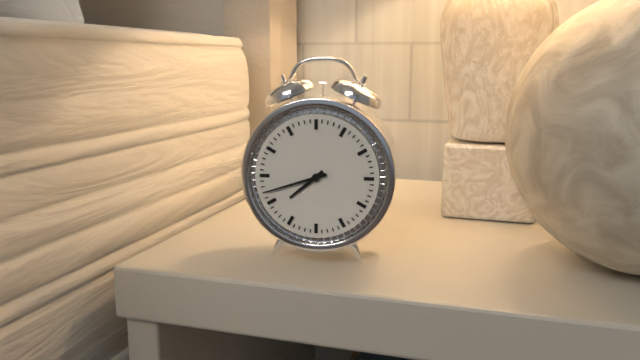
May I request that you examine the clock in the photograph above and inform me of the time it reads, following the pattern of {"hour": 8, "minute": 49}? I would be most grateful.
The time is {"hour": 7, "minute": 42}
